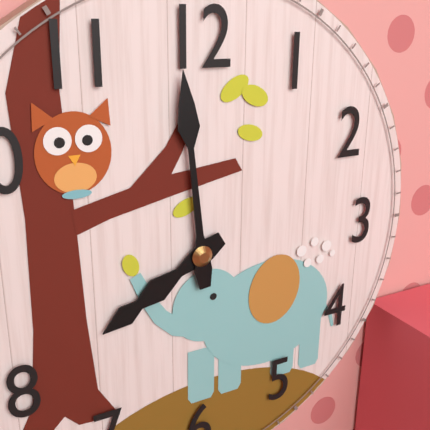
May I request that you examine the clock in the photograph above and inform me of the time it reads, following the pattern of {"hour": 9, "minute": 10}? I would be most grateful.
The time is {"hour": 7, "minute": 59}
